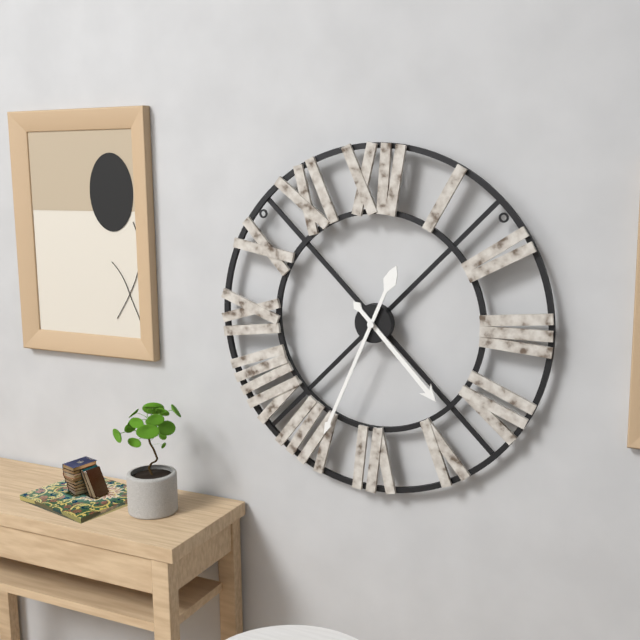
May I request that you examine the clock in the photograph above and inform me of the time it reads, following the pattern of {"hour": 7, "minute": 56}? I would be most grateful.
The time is {"hour": 4, "minute": 34}
